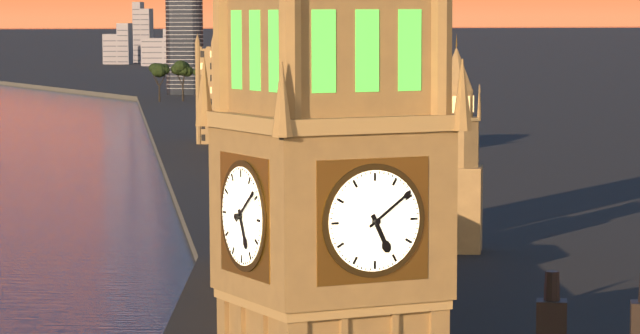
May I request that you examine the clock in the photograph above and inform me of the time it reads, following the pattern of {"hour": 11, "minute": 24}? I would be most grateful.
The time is {"hour": 5, "minute": 9}
